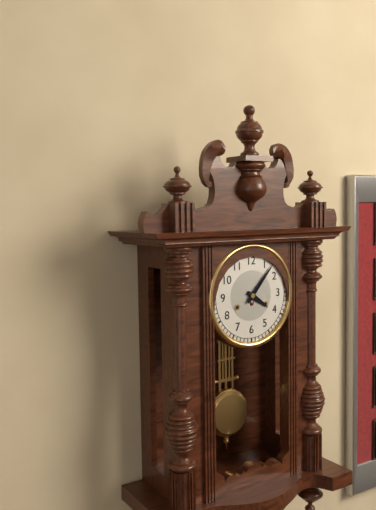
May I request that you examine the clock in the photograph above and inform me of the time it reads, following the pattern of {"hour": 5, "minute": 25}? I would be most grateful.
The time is {"hour": 4, "minute": 7}
